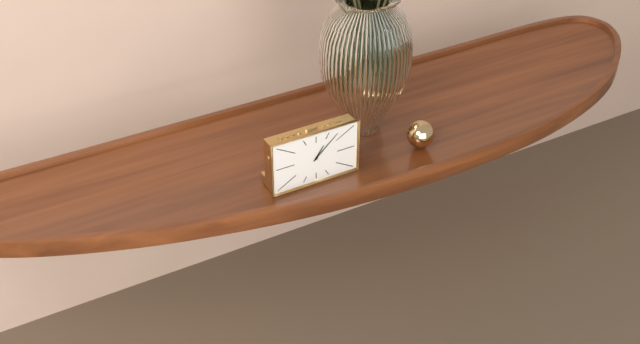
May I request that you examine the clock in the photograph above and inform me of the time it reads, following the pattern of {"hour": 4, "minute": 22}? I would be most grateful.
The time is {"hour": 1, "minute": 8}
